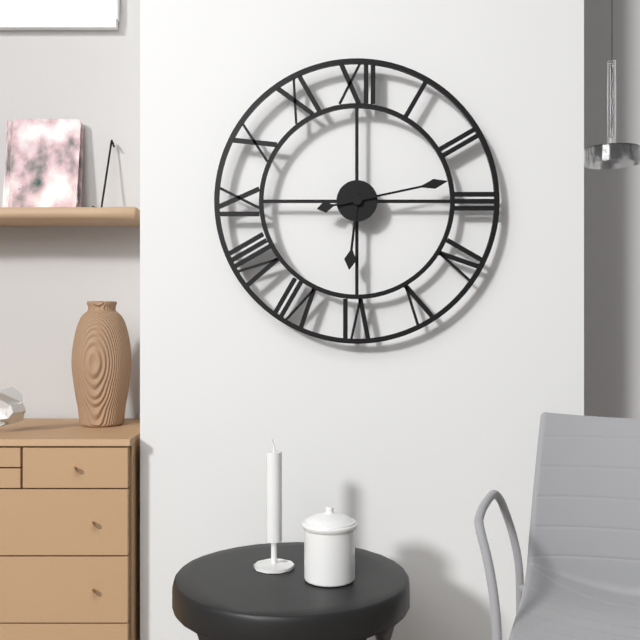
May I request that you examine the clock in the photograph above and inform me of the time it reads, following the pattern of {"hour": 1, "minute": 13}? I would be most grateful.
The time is {"hour": 6, "minute": 13}
